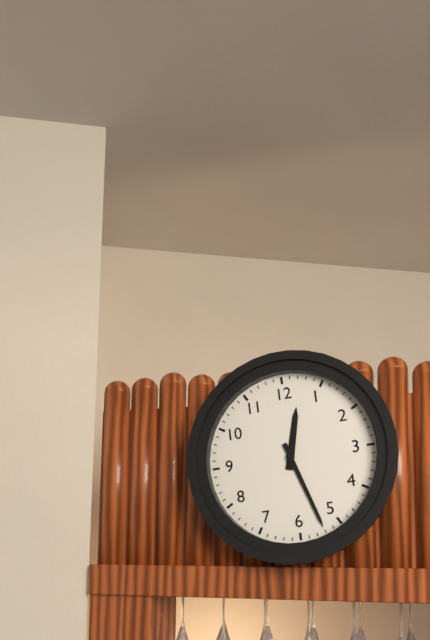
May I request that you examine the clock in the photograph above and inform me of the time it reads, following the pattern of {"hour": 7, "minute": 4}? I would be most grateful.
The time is {"hour": 12, "minute": 27}
